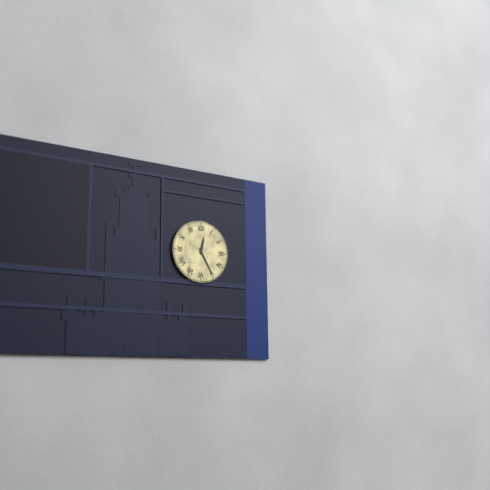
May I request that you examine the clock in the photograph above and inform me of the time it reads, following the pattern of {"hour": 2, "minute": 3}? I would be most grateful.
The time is {"hour": 12, "minute": 25}
